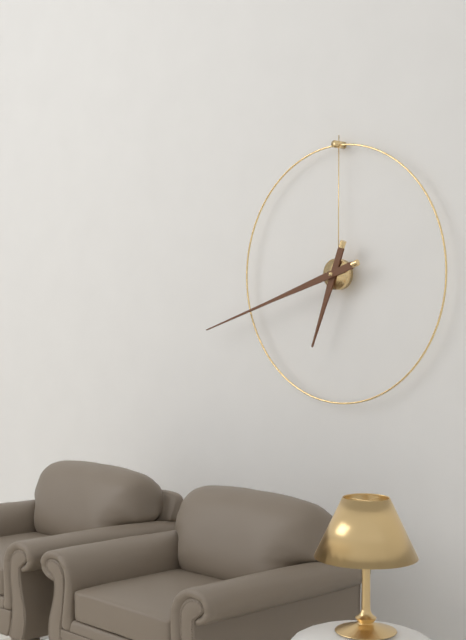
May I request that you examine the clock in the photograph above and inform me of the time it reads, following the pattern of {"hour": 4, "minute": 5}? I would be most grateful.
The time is {"hour": 6, "minute": 42}
